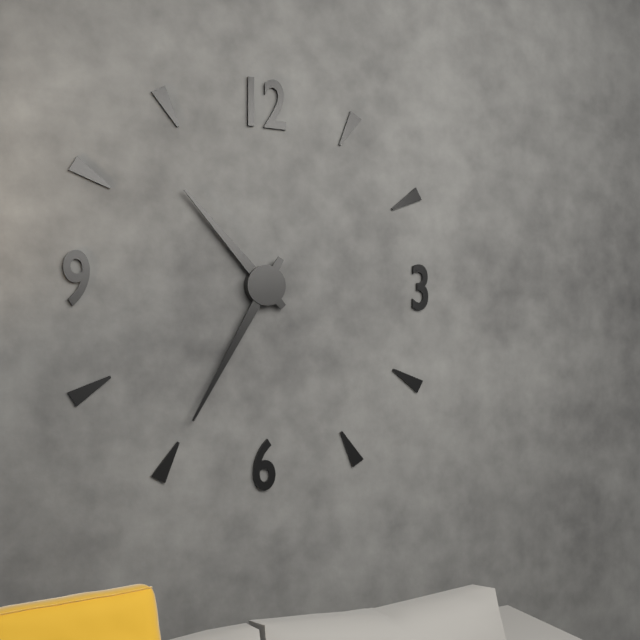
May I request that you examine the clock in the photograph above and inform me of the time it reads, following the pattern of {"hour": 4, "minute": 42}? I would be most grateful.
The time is {"hour": 10, "minute": 35}
